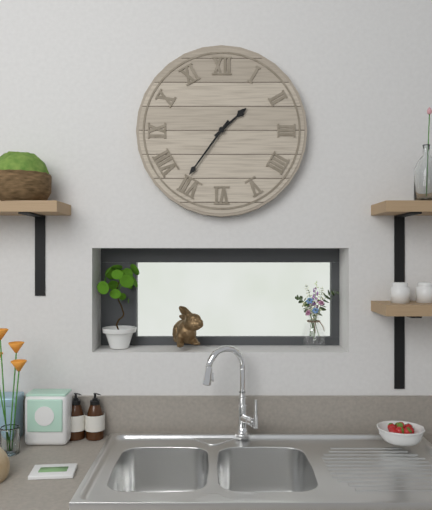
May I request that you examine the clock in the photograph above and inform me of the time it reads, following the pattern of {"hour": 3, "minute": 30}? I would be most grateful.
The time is {"hour": 1, "minute": 36}
